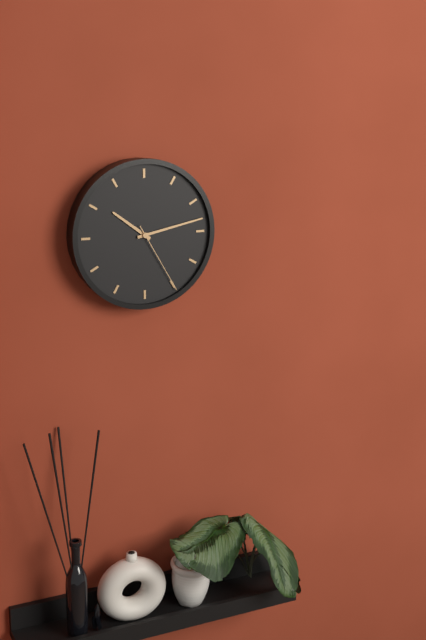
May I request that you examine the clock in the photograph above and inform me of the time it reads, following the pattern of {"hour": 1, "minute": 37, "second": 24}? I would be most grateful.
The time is {"hour": 10, "minute": 13, "second": 25}
